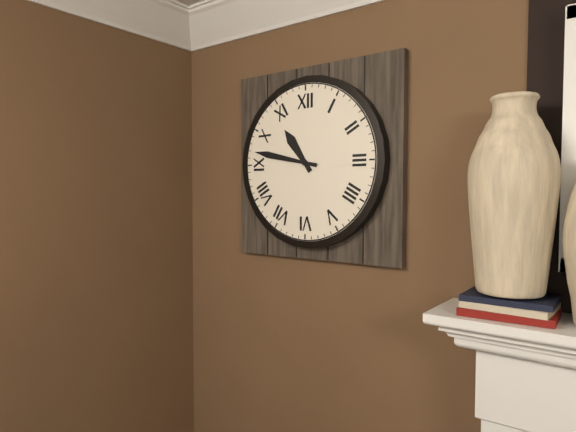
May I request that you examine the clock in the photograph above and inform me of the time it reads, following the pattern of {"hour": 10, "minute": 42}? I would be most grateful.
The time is {"hour": 10, "minute": 47}
